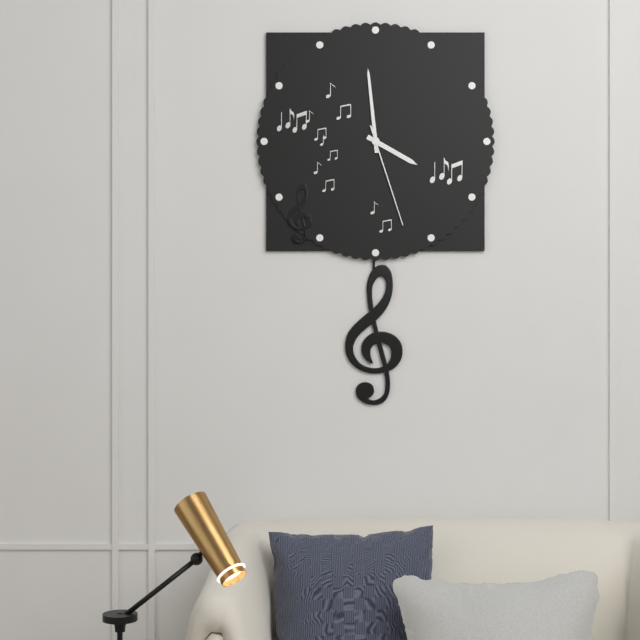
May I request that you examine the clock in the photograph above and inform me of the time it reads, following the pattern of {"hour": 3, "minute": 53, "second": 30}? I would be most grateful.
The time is {"hour": 3, "minute": 59, "second": 27}
